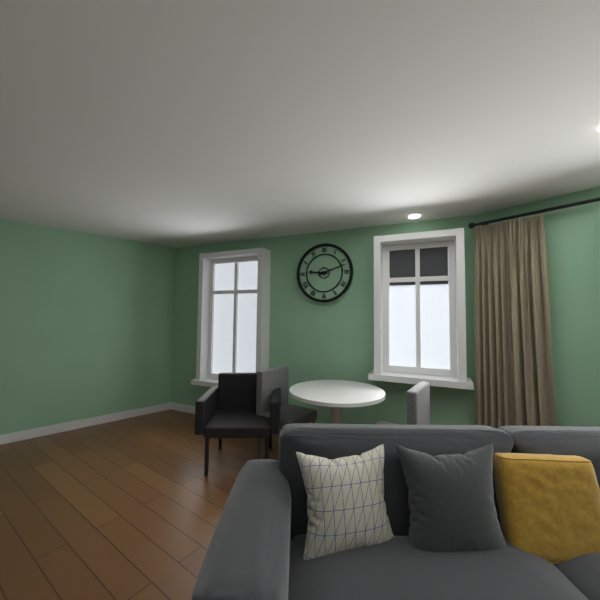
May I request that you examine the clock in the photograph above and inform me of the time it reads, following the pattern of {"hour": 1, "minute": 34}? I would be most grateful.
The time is {"hour": 9, "minute": 12}
